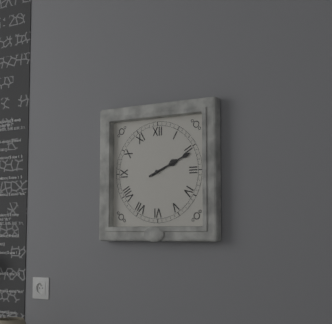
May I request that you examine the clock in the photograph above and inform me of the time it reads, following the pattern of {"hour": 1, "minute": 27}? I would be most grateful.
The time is {"hour": 2, "minute": 11}
